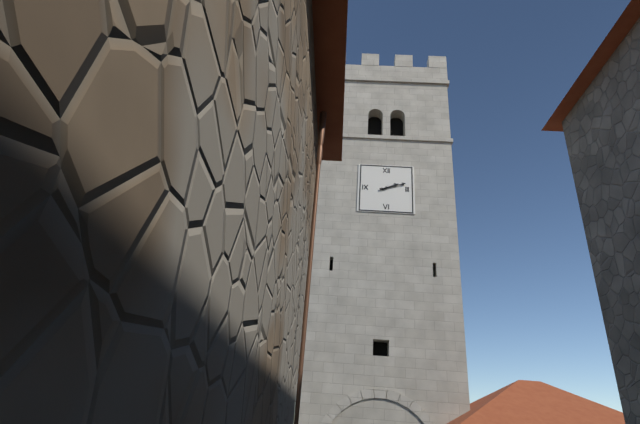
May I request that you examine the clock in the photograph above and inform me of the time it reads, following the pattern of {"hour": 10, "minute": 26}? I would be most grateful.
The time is {"hour": 2, "minute": 12}
